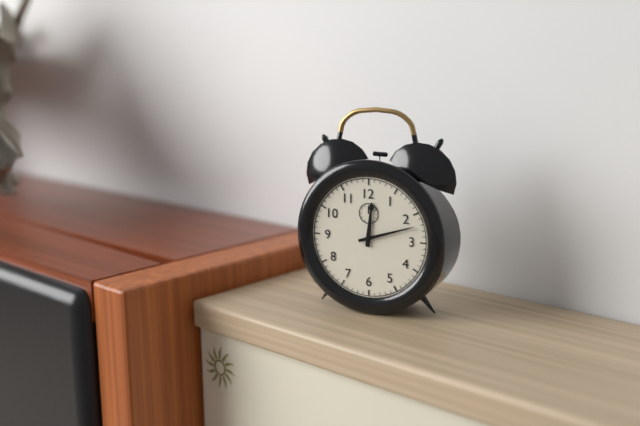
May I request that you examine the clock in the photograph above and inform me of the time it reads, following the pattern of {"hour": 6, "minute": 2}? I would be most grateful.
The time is {"hour": 12, "minute": 12}
